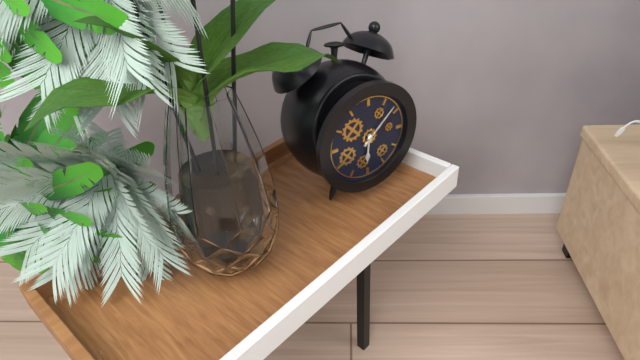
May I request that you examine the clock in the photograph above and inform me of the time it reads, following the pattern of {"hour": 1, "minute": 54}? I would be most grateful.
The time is {"hour": 6, "minute": 8}
